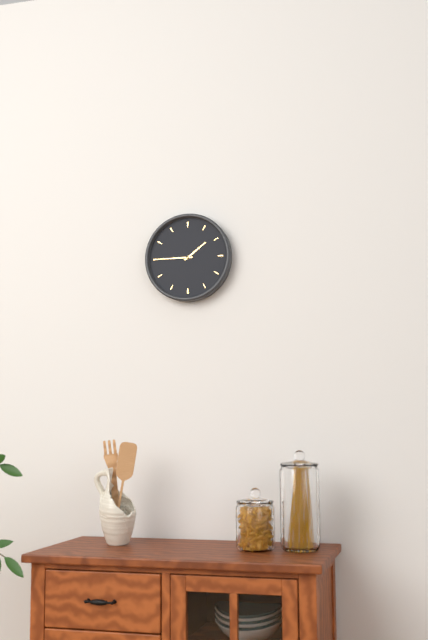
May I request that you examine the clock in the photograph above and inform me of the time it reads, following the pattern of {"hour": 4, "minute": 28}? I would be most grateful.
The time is {"hour": 1, "minute": 45}
